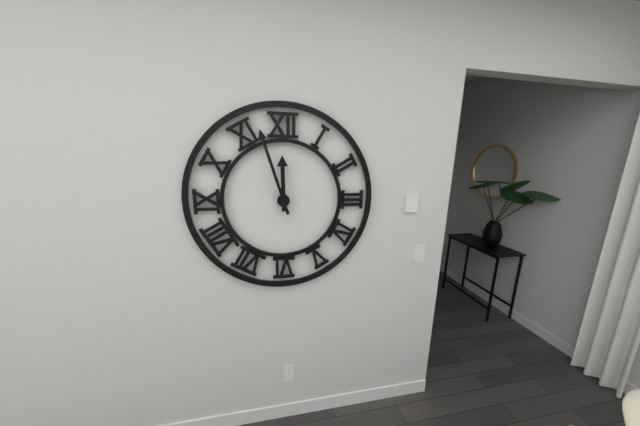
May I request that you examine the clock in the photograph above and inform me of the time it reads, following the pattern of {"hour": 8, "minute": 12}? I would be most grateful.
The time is {"hour": 11, "minute": 57}
